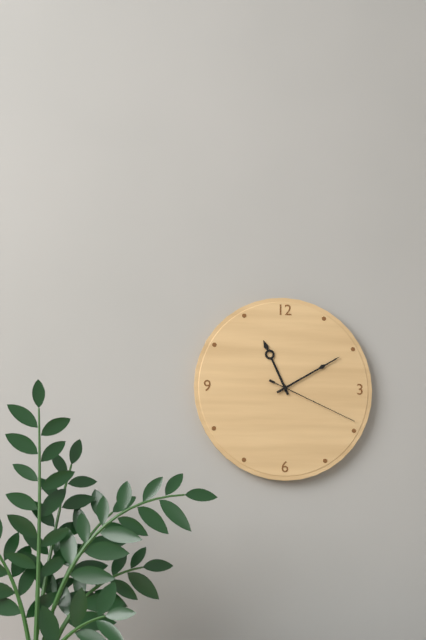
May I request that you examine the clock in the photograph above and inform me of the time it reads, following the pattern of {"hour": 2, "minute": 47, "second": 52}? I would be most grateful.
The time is {"hour": 11, "minute": 10, "second": 19}
